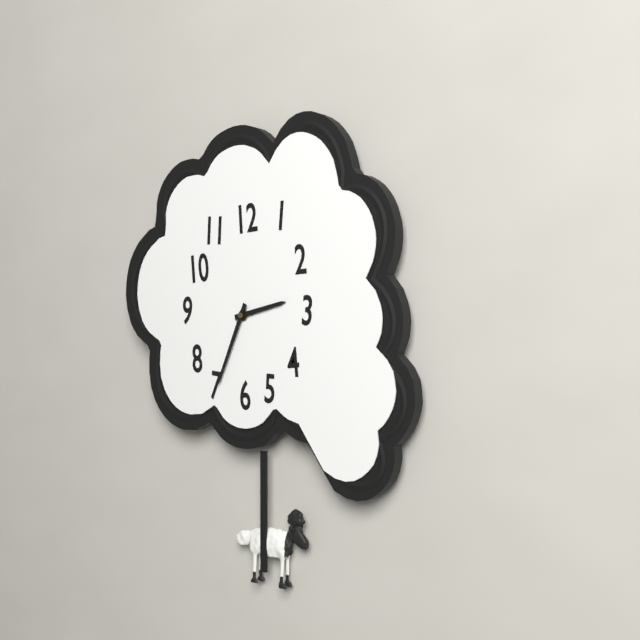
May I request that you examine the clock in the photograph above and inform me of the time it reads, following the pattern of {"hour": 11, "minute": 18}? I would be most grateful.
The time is {"hour": 2, "minute": 34}
